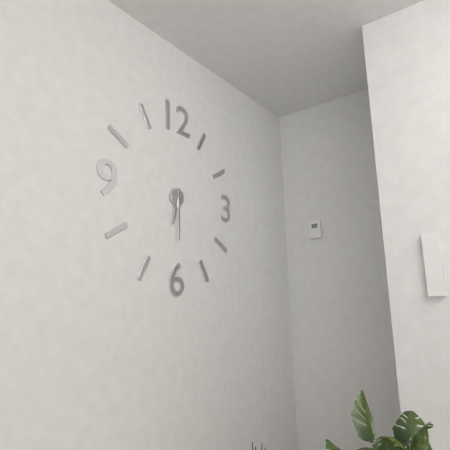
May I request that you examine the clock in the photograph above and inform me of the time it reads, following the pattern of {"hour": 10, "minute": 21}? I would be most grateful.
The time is {"hour": 6, "minute": 30}
